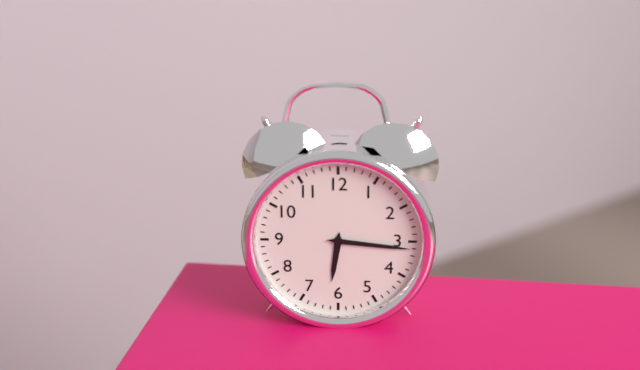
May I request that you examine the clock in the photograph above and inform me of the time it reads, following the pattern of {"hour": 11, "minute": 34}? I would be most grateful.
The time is {"hour": 6, "minute": 16}
